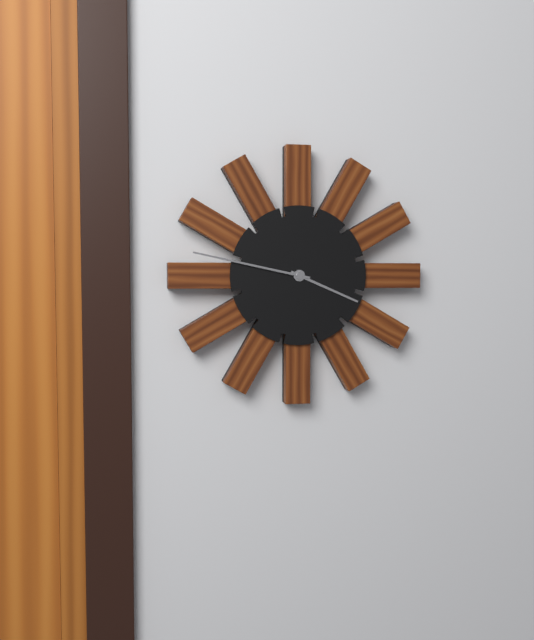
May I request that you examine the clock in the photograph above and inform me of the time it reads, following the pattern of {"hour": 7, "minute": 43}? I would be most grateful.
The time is {"hour": 3, "minute": 47}
